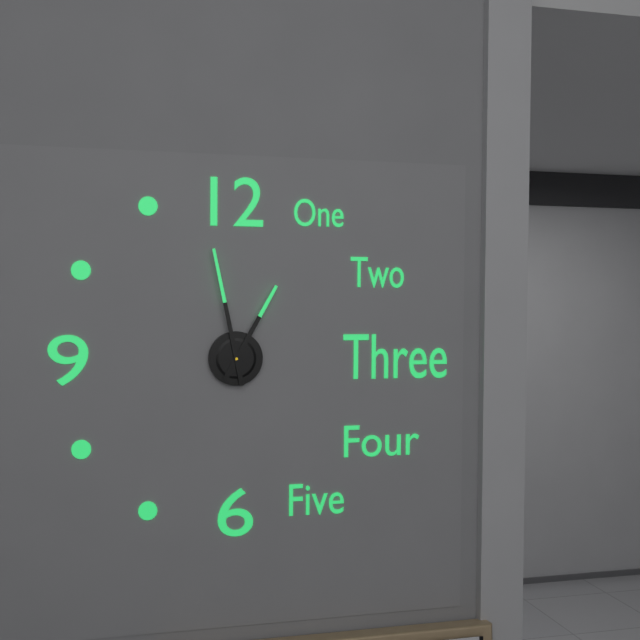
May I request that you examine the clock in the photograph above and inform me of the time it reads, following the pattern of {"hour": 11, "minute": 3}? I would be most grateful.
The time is {"hour": 12, "minute": 58}
